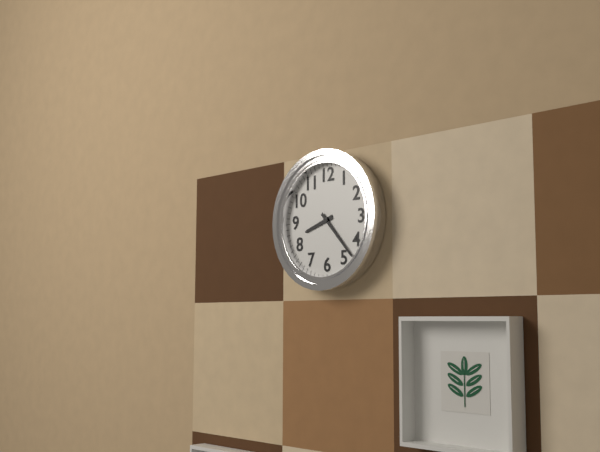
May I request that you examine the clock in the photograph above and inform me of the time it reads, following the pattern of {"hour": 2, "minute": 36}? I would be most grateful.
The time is {"hour": 8, "minute": 23}
